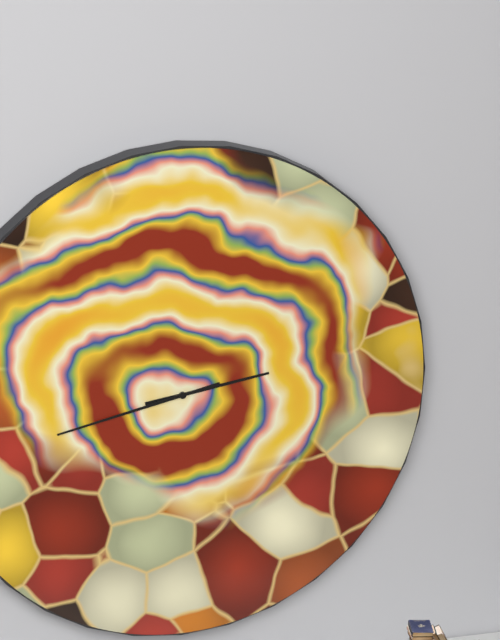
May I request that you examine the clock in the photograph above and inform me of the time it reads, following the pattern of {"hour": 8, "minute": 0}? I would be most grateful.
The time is {"hour": 2, "minute": 43}
